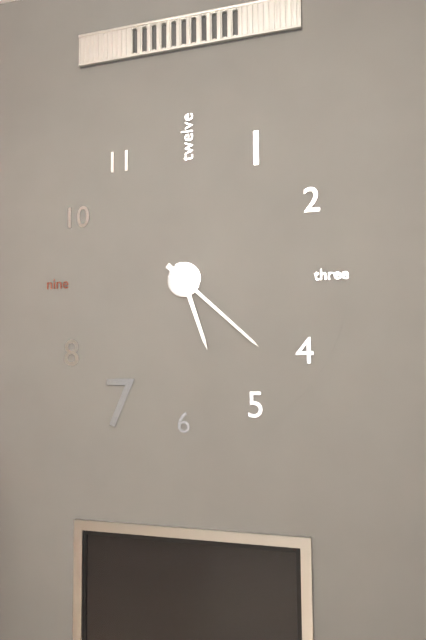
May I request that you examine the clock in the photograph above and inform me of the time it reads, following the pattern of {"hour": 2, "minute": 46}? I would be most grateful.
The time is {"hour": 5, "minute": 22}
